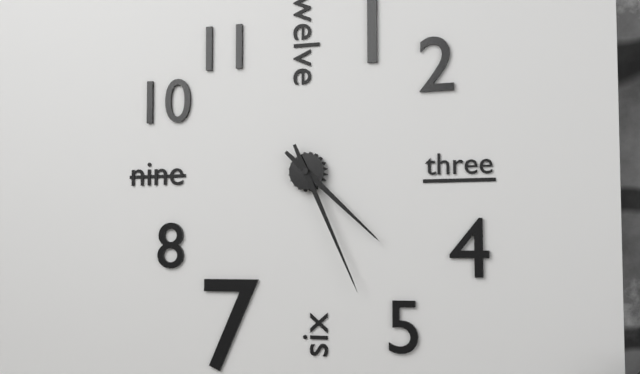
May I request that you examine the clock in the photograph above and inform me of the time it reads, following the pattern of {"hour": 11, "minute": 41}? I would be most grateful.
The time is {"hour": 4, "minute": 26}
